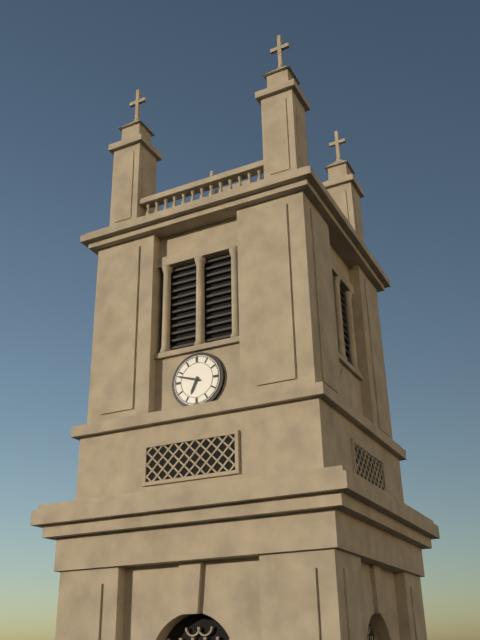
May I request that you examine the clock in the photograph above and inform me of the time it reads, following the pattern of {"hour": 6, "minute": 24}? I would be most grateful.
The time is {"hour": 6, "minute": 48}
